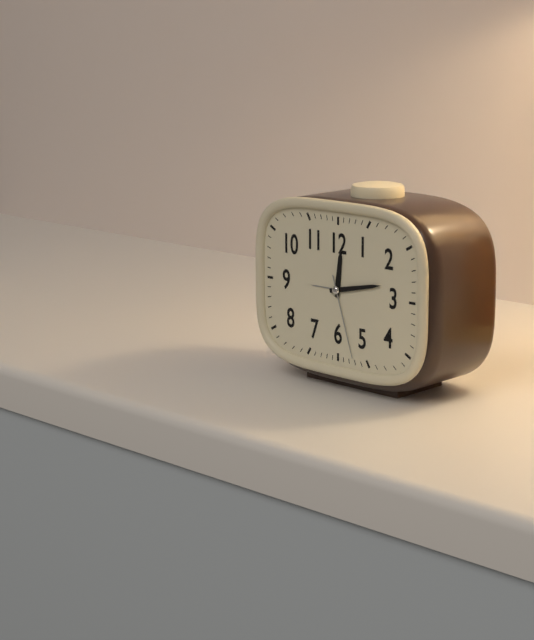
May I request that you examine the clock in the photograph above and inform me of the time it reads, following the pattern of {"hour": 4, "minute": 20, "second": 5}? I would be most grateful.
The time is {"hour": 12, "minute": 13, "second": 27}
